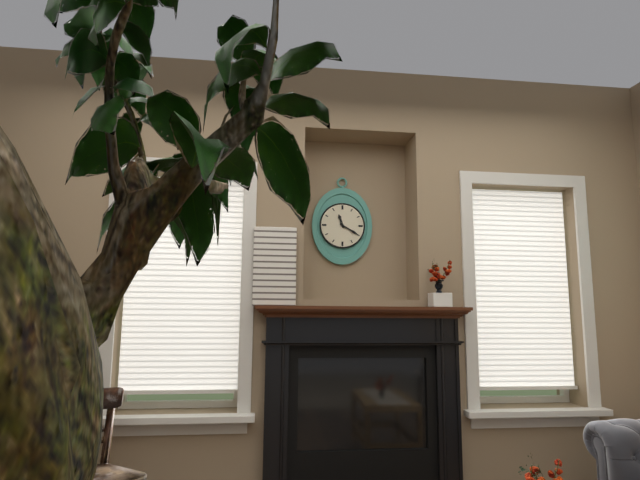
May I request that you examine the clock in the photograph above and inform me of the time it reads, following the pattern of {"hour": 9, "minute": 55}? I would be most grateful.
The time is {"hour": 11, "minute": 20}
